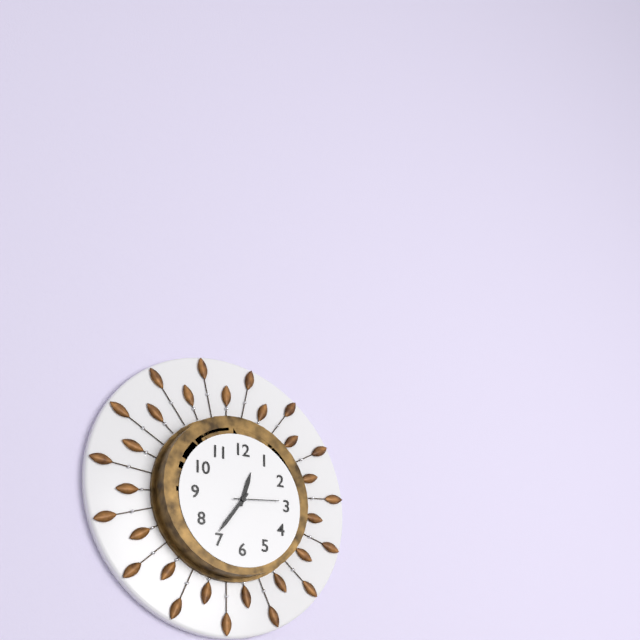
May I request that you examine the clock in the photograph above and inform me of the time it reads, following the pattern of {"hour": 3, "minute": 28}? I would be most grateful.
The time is {"hour": 12, "minute": 36}
